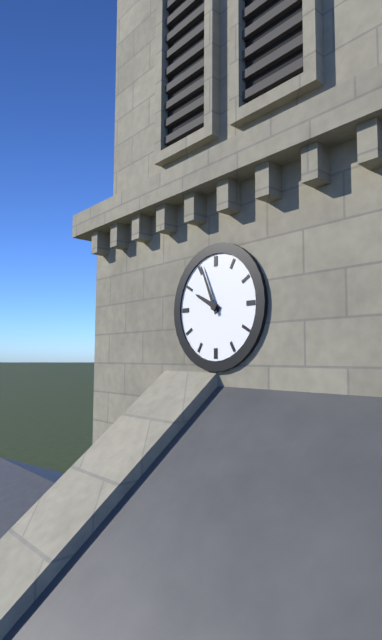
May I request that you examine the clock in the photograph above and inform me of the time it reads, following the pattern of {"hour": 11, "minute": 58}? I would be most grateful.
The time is {"hour": 9, "minute": 56}
